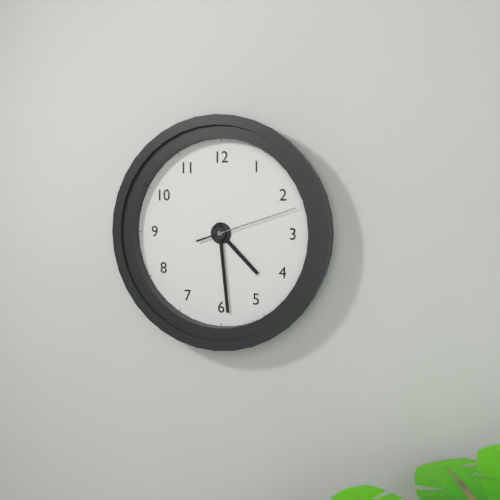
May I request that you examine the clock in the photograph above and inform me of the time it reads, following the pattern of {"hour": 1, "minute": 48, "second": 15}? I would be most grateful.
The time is {"hour": 4, "minute": 29, "second": 12}
